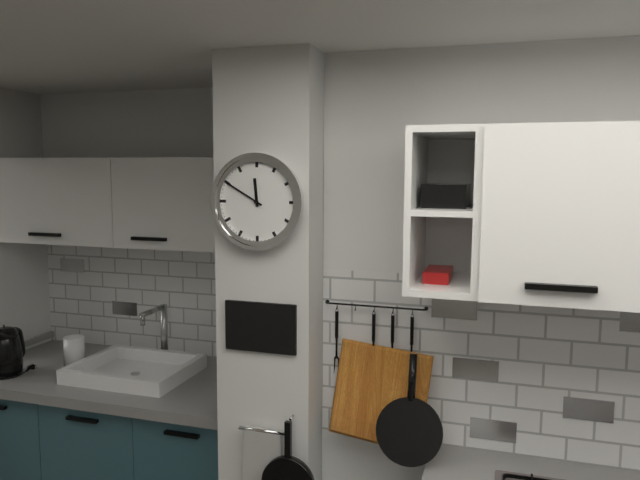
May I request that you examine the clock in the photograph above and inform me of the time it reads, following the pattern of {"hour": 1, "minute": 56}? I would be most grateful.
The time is {"hour": 11, "minute": 50}
